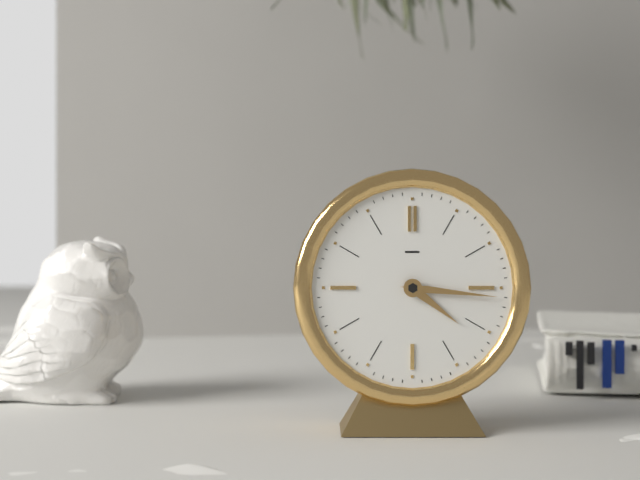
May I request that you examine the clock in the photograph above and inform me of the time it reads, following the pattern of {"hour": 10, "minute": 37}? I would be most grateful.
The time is {"hour": 4, "minute": 16}
